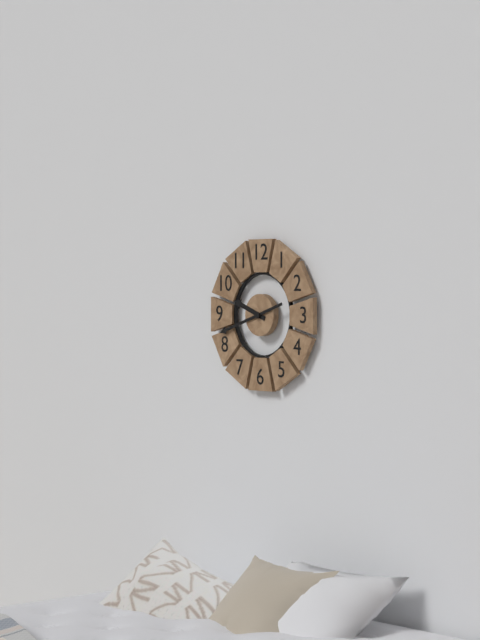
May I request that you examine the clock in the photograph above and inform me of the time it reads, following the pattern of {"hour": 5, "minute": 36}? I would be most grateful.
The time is {"hour": 9, "minute": 42}
